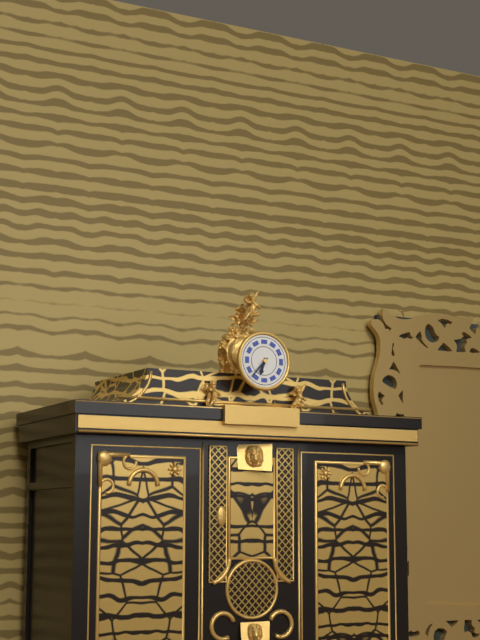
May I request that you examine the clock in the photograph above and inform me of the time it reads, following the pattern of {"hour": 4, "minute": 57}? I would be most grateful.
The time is {"hour": 6, "minute": 37}
